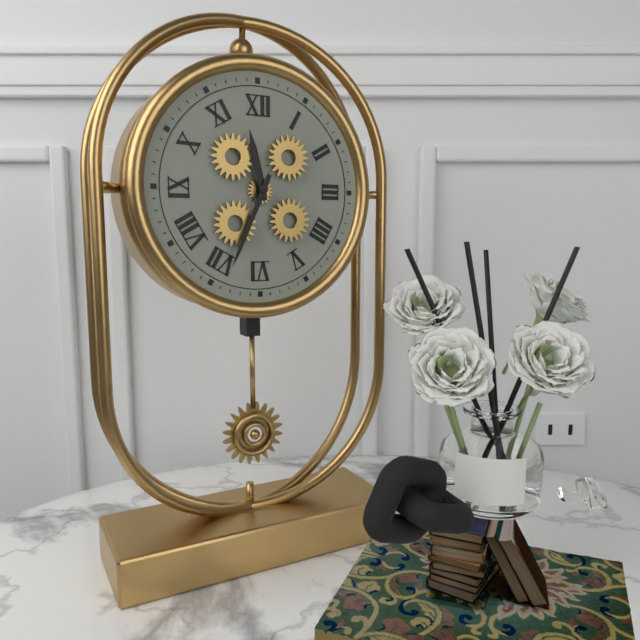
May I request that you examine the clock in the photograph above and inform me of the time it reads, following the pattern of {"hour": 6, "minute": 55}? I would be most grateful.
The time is {"hour": 11, "minute": 34}
